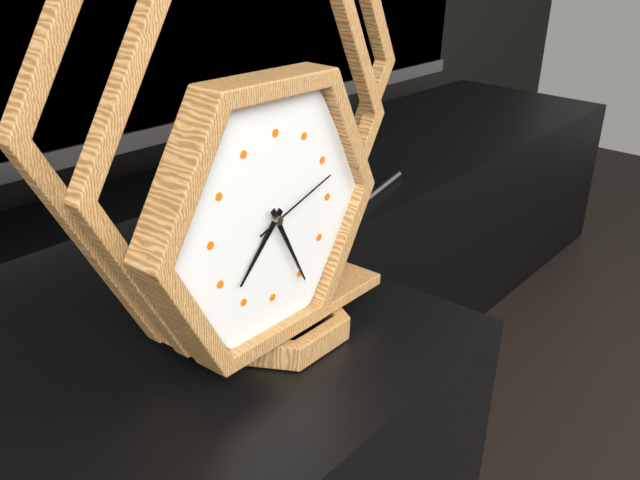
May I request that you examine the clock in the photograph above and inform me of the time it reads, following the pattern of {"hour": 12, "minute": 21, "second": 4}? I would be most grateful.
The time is {"hour": 7, "minute": 25, "second": 12}
